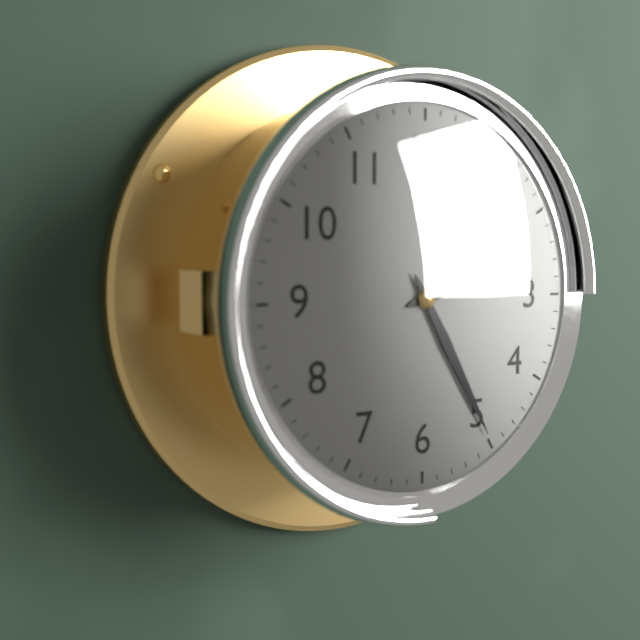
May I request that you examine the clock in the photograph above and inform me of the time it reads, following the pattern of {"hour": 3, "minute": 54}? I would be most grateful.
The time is {"hour": 2, "minute": 25}
